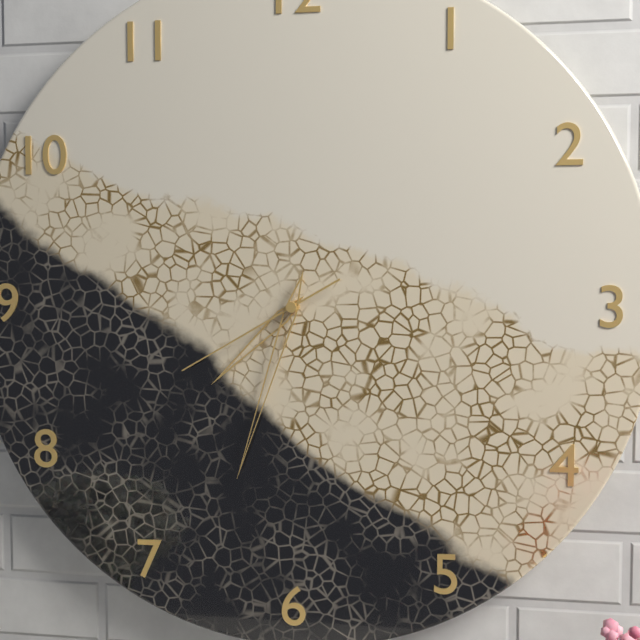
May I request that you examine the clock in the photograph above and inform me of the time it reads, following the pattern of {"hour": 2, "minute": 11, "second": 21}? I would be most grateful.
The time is {"hour": 7, "minute": 33, "second": 40}
